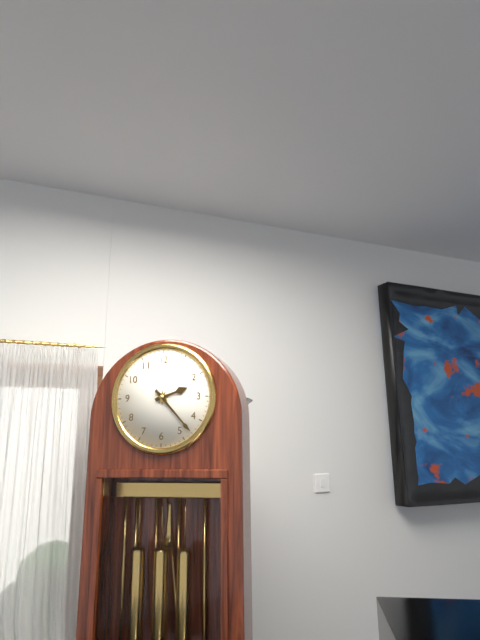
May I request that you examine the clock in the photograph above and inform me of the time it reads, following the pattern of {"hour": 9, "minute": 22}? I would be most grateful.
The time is {"hour": 2, "minute": 23}
